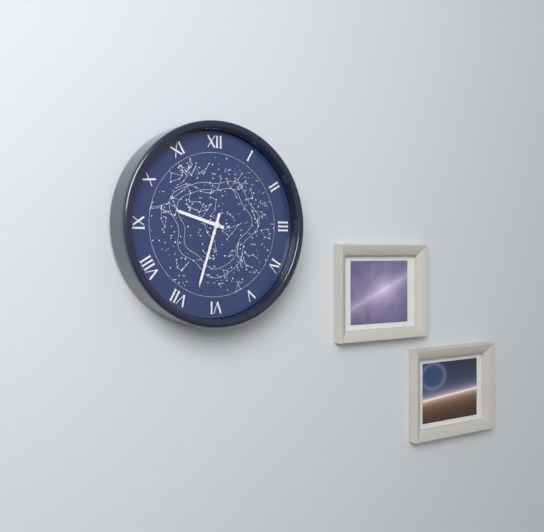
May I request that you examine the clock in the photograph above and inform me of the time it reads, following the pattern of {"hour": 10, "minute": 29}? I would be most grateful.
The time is {"hour": 9, "minute": 33}
